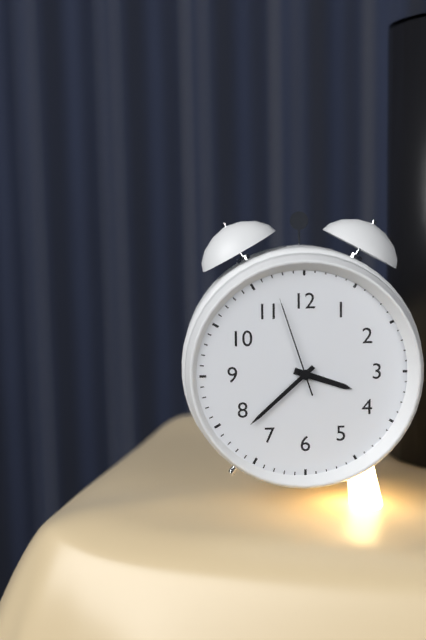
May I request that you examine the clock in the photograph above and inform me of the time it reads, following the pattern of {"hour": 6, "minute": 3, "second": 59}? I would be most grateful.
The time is {"hour": 3, "minute": 38, "second": 57}
